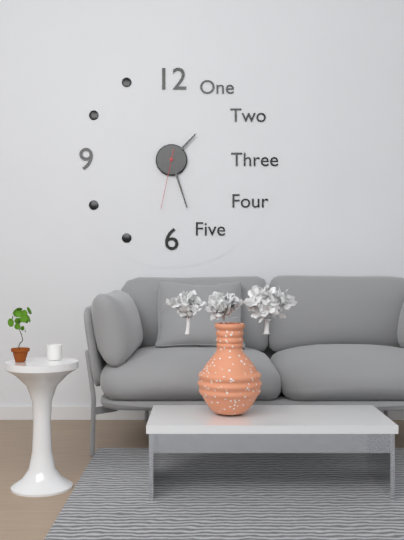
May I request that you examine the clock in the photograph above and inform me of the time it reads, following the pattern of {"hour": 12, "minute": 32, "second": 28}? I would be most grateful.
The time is {"hour": 1, "minute": 27, "second": 32}
